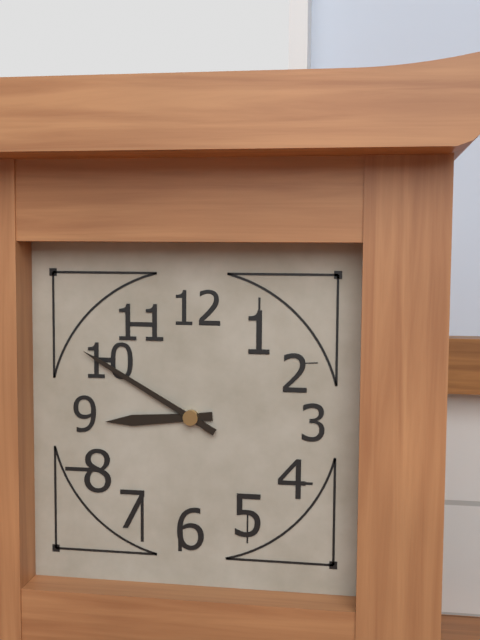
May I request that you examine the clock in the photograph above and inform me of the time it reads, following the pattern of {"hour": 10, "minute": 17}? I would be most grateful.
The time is {"hour": 8, "minute": 50}
